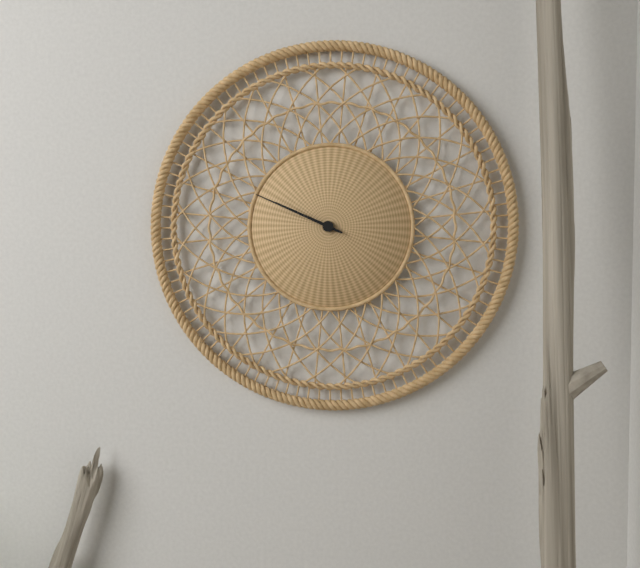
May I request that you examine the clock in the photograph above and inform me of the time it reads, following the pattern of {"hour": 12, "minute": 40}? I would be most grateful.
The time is {"hour": 9, "minute": 49}
